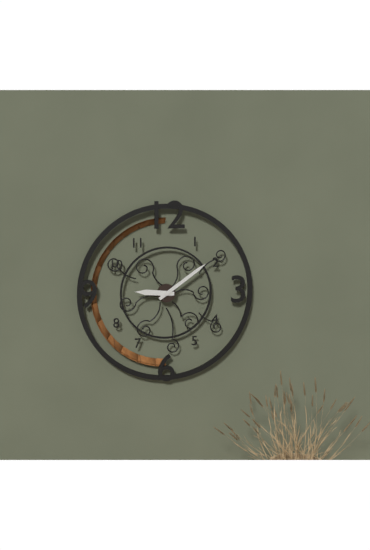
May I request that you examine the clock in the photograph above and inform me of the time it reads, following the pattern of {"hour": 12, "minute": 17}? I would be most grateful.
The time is {"hour": 9, "minute": 9}
